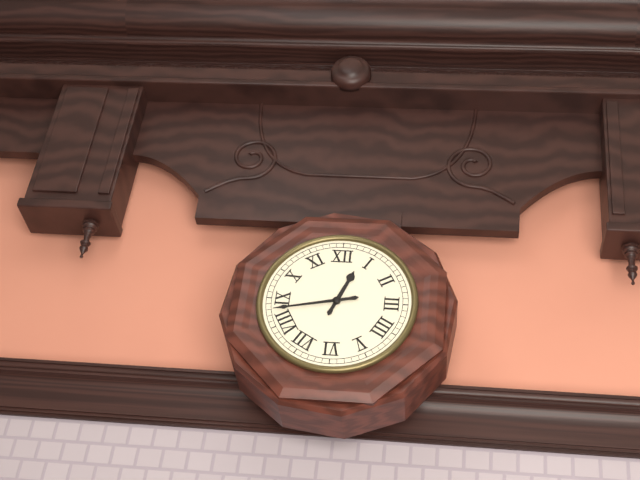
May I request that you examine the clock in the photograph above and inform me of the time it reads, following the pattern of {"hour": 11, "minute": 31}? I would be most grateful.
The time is {"hour": 12, "minute": 43}
